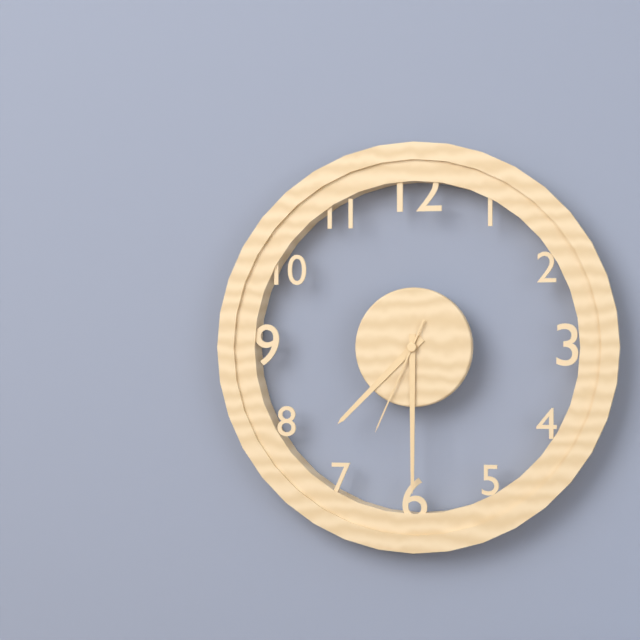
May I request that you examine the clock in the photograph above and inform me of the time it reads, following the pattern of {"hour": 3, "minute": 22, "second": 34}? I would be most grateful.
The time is {"hour": 7, "minute": 30, "second": 34}
